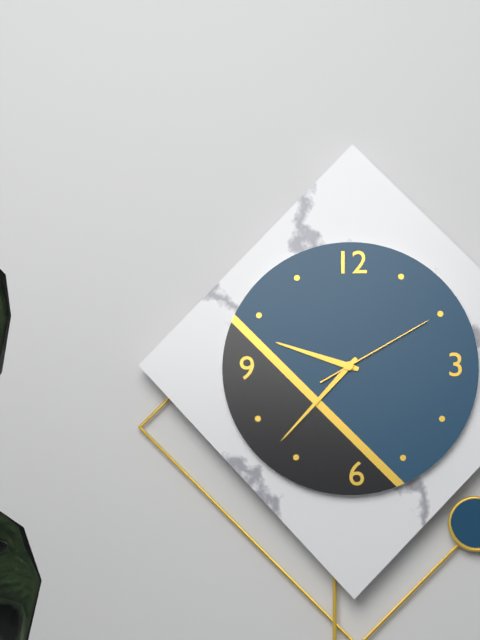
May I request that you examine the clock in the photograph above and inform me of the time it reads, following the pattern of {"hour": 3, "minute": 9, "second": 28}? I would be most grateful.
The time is {"hour": 9, "minute": 37, "second": 10}
